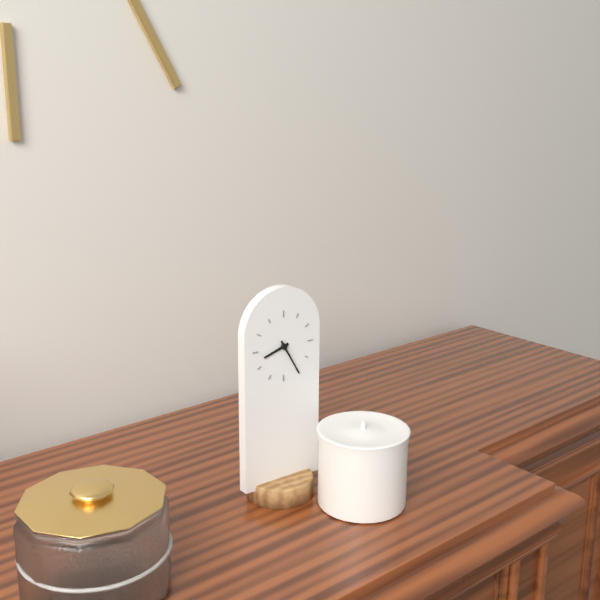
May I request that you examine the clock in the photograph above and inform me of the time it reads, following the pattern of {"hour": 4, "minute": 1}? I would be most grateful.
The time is {"hour": 8, "minute": 25}
